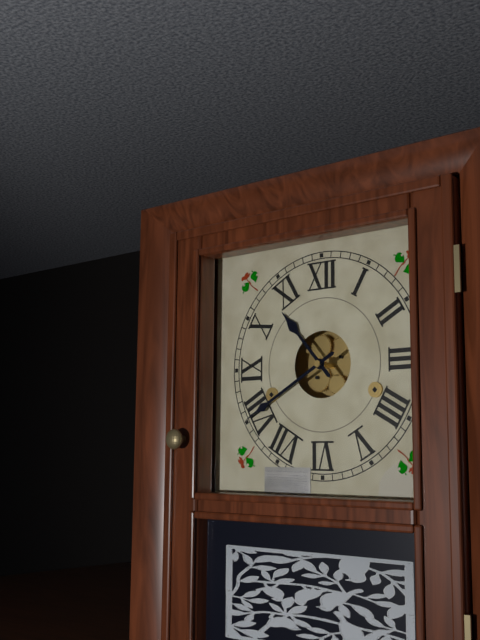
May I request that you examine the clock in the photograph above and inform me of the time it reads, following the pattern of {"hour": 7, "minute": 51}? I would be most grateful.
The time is {"hour": 10, "minute": 40}
